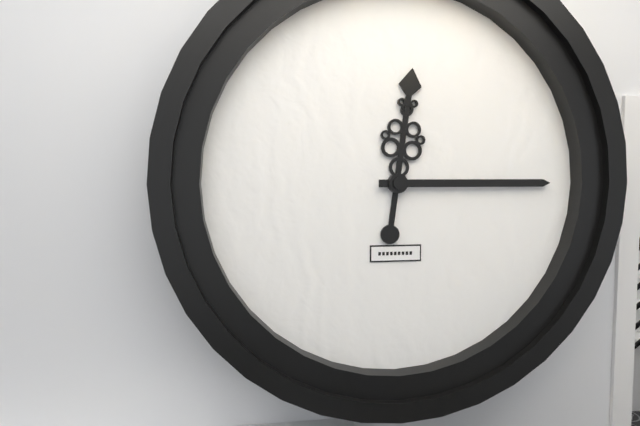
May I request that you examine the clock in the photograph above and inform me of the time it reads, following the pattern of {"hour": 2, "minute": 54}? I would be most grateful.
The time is {"hour": 12, "minute": 15}
